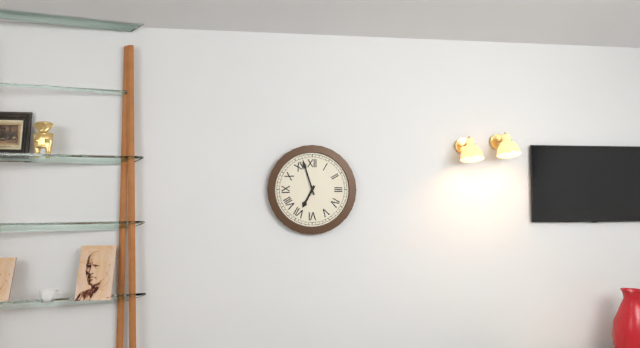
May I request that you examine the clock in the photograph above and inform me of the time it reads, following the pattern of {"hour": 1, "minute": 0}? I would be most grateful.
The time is {"hour": 6, "minute": 57}
